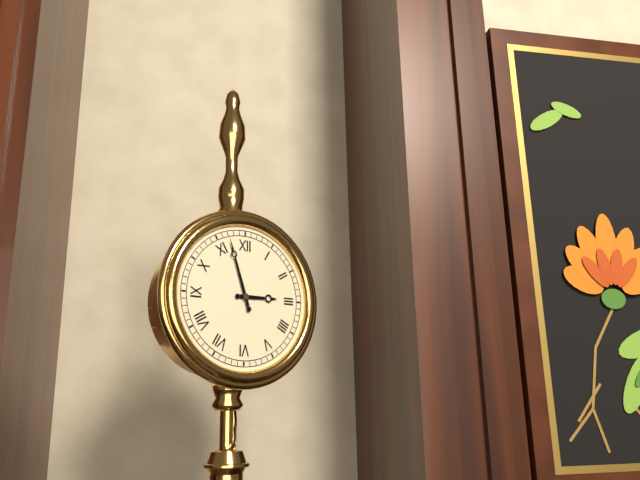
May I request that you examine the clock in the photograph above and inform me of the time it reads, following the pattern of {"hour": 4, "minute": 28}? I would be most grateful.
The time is {"hour": 2, "minute": 57}
